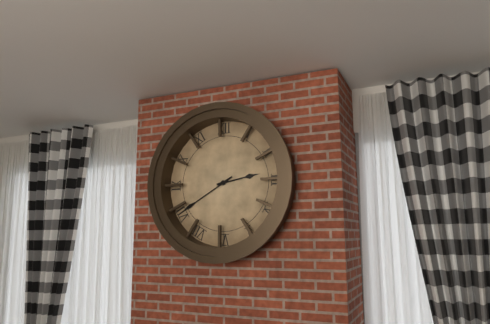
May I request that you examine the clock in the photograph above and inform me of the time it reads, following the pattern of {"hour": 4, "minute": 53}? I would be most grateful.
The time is {"hour": 2, "minute": 40}
